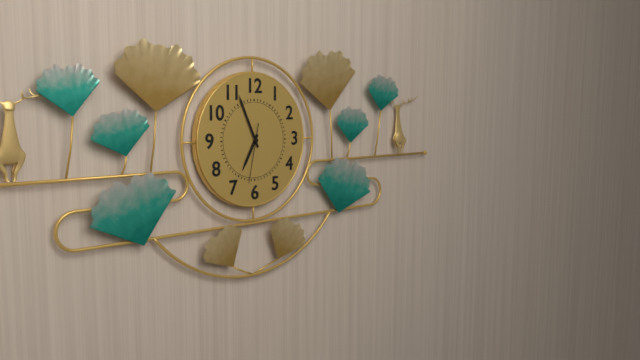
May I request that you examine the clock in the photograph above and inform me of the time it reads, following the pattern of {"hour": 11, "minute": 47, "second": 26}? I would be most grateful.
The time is {"hour": 6, "minute": 56, "second": 32}
